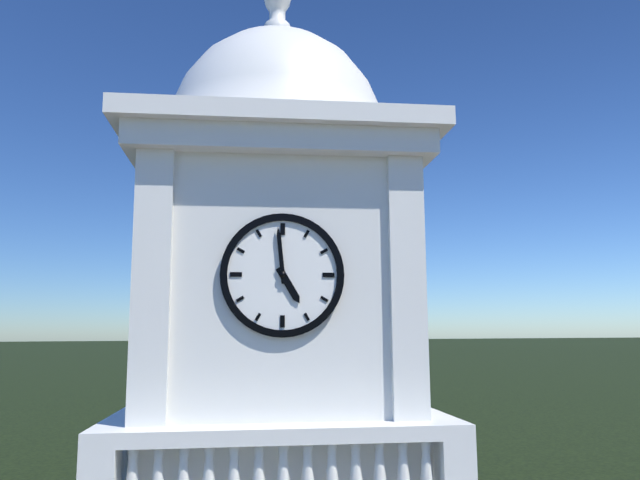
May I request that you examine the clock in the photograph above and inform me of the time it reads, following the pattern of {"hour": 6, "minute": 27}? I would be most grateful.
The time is {"hour": 4, "minute": 59}
